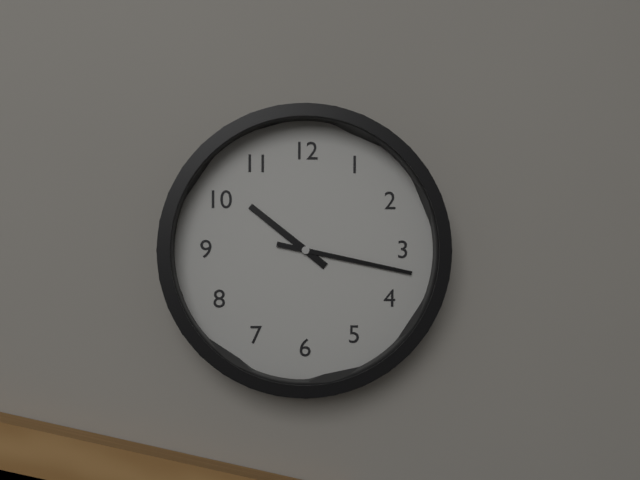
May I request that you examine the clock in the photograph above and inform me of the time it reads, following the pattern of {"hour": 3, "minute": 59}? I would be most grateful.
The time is {"hour": 10, "minute": 17}
